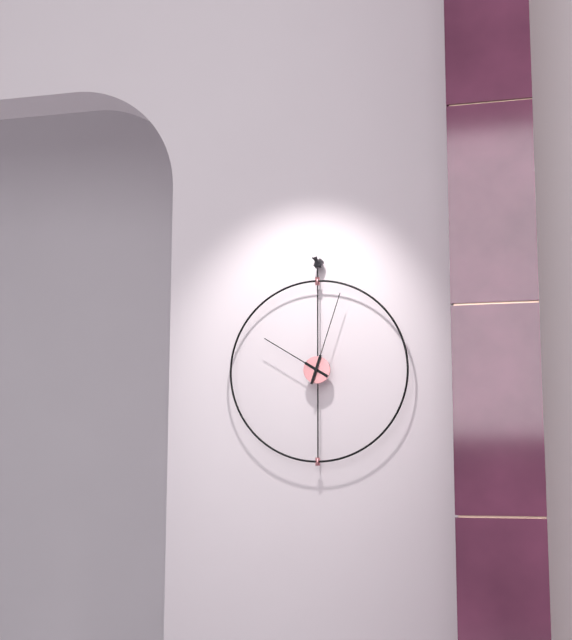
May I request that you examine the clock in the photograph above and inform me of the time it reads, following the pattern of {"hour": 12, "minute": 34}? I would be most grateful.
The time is {"hour": 10, "minute": 3}
